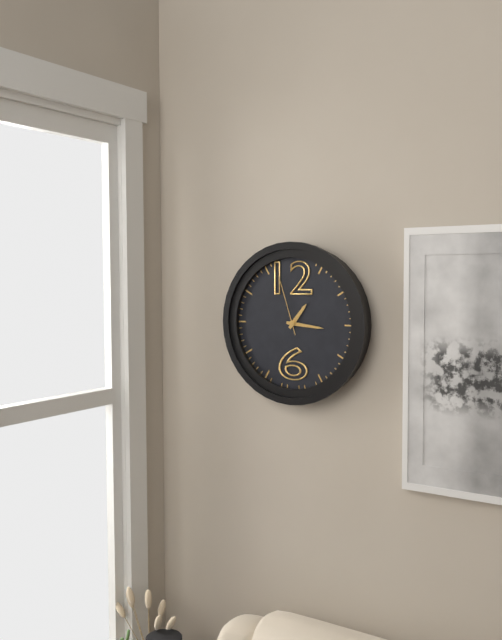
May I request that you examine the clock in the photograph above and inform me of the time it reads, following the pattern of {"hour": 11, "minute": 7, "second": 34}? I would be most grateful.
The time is {"hour": 1, "minute": 16, "second": 57}
